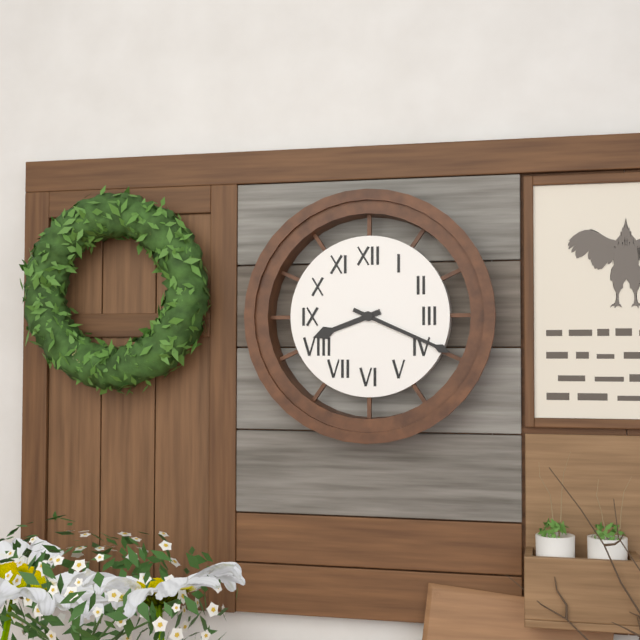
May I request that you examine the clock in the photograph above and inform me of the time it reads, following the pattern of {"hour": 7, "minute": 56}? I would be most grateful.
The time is {"hour": 8, "minute": 19}
